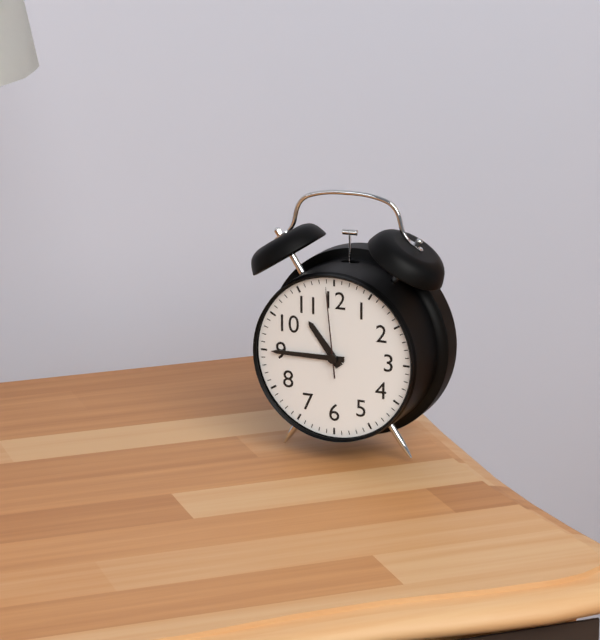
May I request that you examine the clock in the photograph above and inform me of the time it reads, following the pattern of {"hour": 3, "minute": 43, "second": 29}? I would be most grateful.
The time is {"hour": 10, "minute": 45, "second": 59}
